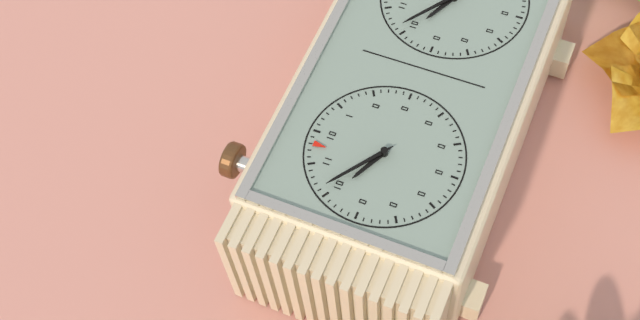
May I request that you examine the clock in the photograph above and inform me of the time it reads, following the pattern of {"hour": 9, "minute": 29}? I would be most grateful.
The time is {"hour": 9, "minute": 51}
